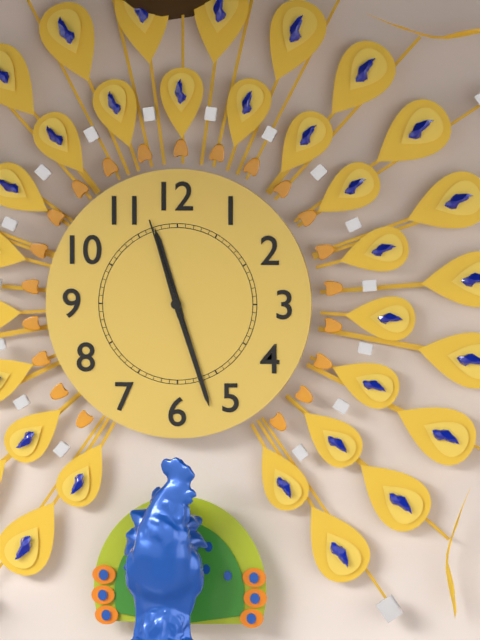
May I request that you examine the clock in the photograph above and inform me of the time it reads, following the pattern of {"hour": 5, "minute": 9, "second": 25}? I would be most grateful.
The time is {"hour": 11, "minute": 27, "second": 57}
